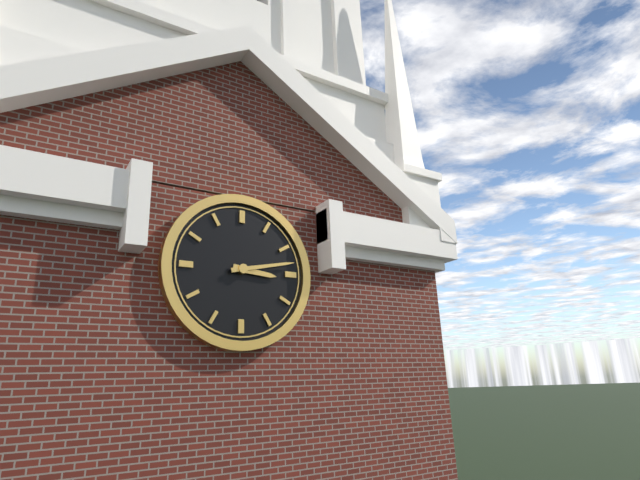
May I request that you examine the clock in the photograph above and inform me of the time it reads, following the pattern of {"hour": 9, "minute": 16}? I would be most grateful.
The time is {"hour": 3, "minute": 13}
